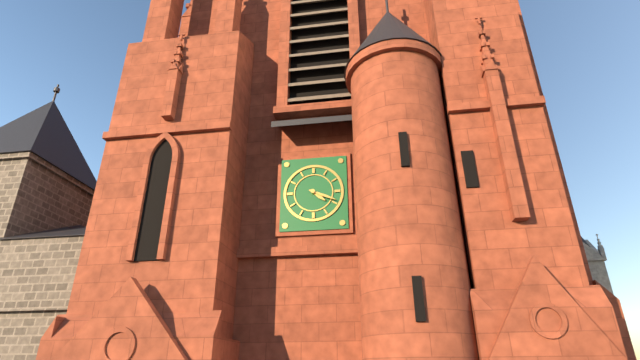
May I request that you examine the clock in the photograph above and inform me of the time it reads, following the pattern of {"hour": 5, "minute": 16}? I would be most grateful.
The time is {"hour": 4, "minute": 19}
